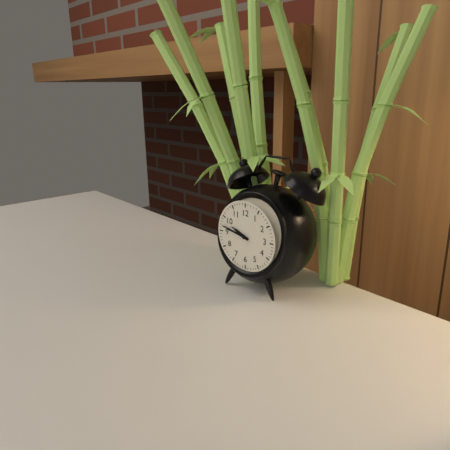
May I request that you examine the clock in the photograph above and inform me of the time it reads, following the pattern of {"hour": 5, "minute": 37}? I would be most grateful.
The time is {"hour": 9, "minute": 47}
